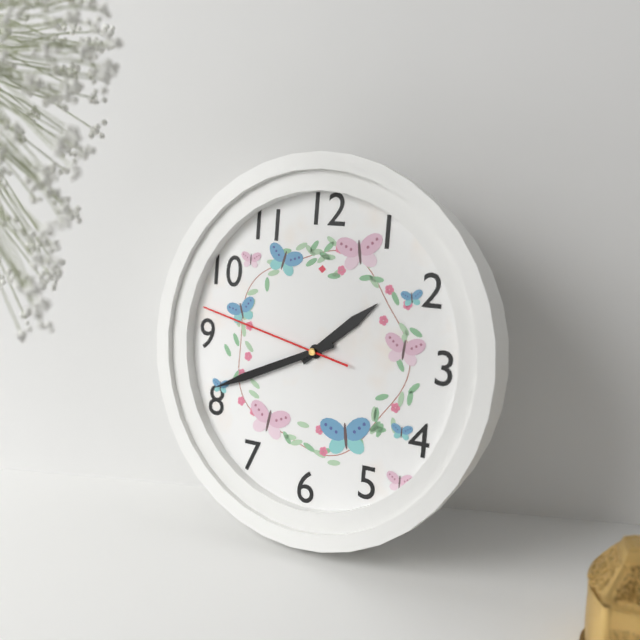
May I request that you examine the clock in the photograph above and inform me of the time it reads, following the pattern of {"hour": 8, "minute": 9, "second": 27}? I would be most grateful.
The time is {"hour": 1, "minute": 41, "second": 47}
